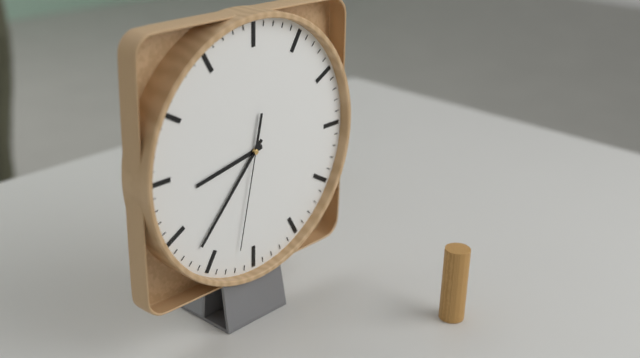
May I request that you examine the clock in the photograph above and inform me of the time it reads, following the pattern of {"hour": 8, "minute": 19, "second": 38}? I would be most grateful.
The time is {"hour": 8, "minute": 37, "second": 32}
